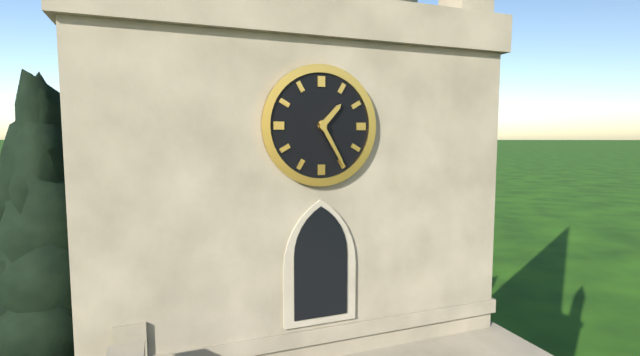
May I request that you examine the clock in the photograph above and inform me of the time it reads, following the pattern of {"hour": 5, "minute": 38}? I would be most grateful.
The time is {"hour": 1, "minute": 25}
